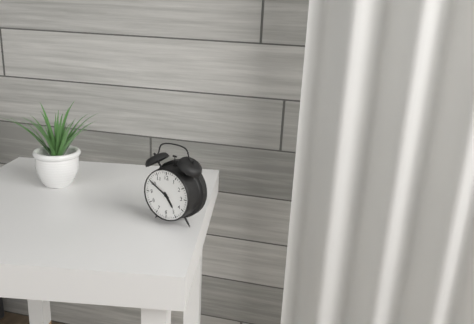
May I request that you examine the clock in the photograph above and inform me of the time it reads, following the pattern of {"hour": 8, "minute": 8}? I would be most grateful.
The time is {"hour": 4, "minute": 50}
